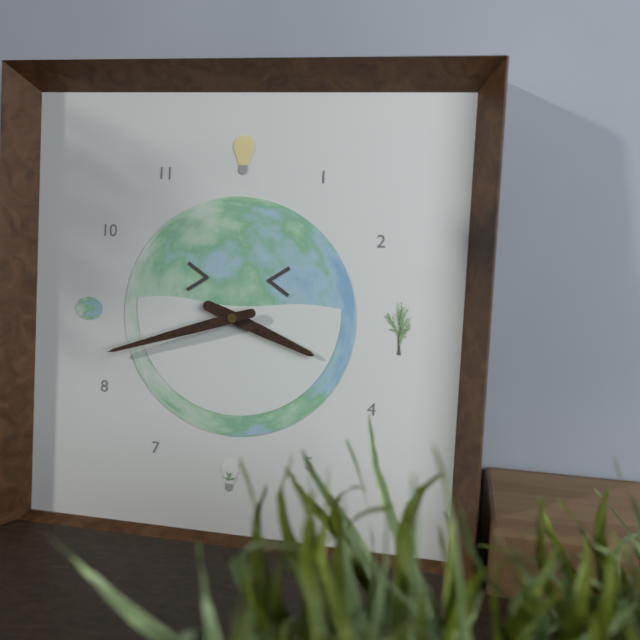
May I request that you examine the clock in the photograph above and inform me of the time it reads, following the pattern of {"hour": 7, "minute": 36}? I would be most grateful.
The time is {"hour": 3, "minute": 42}
